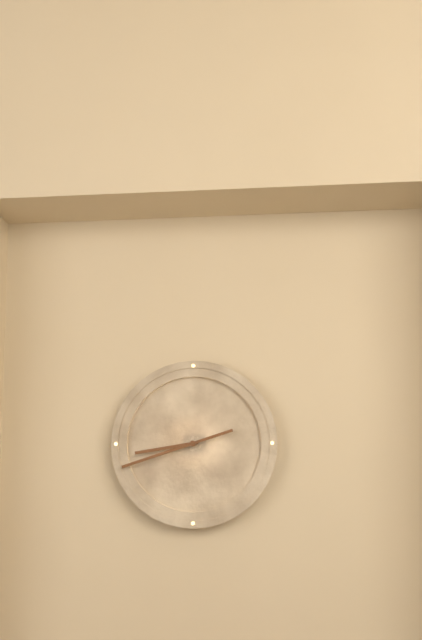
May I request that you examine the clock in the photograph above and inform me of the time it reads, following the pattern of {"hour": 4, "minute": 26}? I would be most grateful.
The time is {"hour": 8, "minute": 42}
